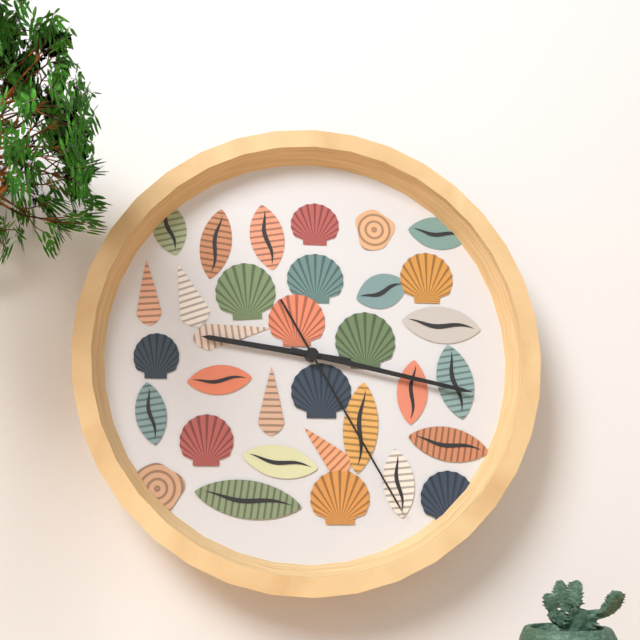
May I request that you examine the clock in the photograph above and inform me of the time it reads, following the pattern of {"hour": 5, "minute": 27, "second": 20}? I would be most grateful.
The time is {"hour": 9, "minute": 17, "second": 25}
